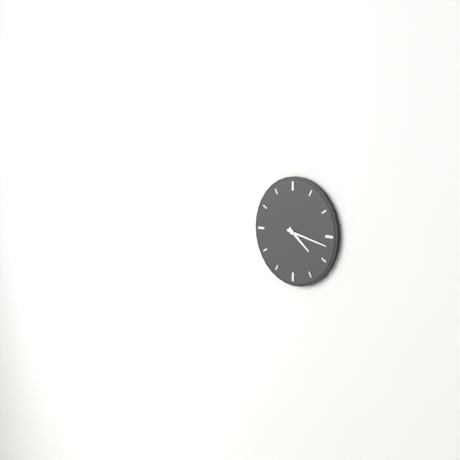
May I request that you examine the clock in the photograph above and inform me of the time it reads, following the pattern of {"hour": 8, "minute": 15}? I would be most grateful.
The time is {"hour": 4, "minute": 17}
